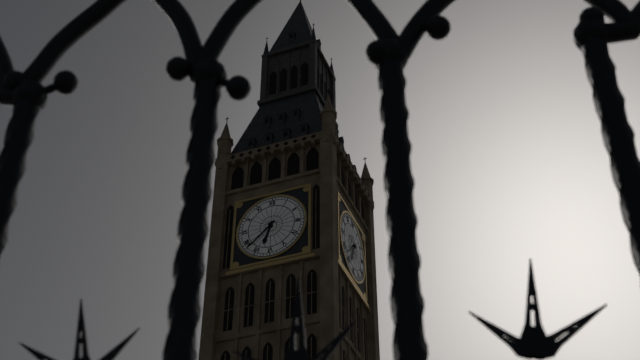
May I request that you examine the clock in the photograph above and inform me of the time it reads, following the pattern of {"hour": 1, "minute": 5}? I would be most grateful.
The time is {"hour": 6, "minute": 38}
